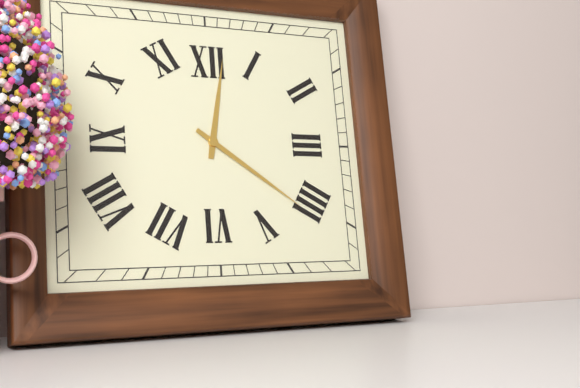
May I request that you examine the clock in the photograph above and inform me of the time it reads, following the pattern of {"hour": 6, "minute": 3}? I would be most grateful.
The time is {"hour": 12, "minute": 21}
